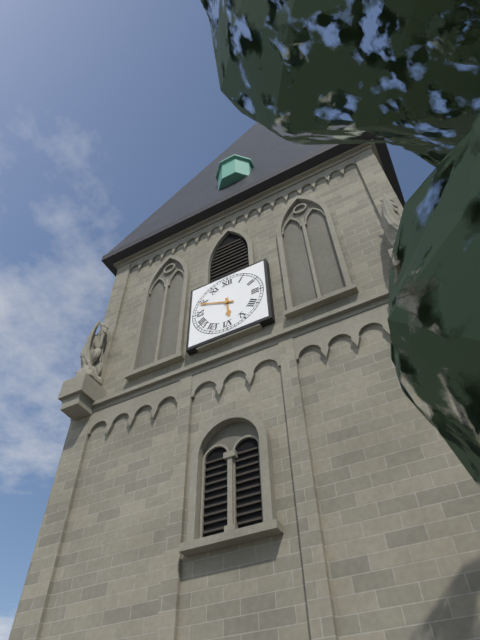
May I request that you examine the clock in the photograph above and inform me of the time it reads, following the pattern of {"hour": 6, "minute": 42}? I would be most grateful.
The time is {"hour": 5, "minute": 49}
